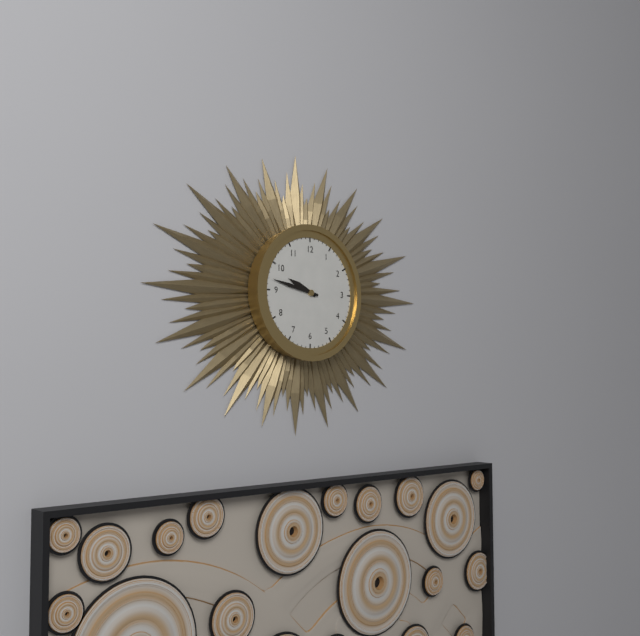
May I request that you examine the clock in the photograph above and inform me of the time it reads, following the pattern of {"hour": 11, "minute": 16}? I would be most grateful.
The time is {"hour": 9, "minute": 47}
